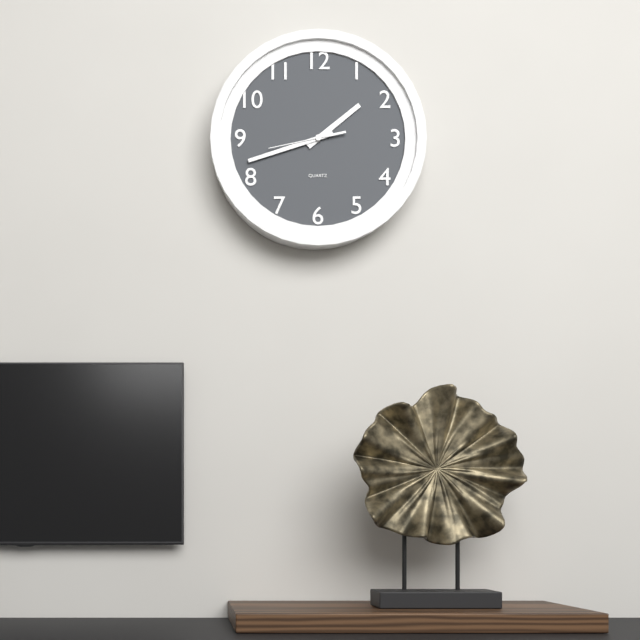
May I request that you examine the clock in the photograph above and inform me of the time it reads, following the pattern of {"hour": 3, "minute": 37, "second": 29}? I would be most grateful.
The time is {"hour": 1, "minute": 42, "second": 43}
